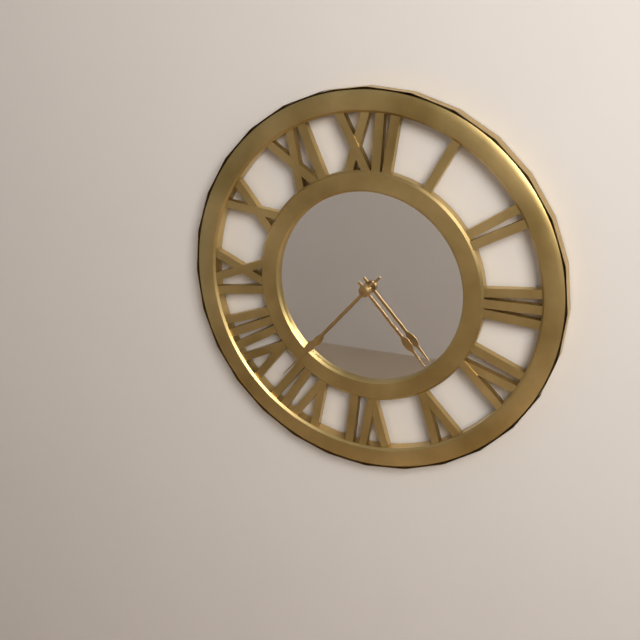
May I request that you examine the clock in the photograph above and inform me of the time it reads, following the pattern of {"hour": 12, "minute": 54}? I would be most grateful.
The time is {"hour": 4, "minute": 37}
